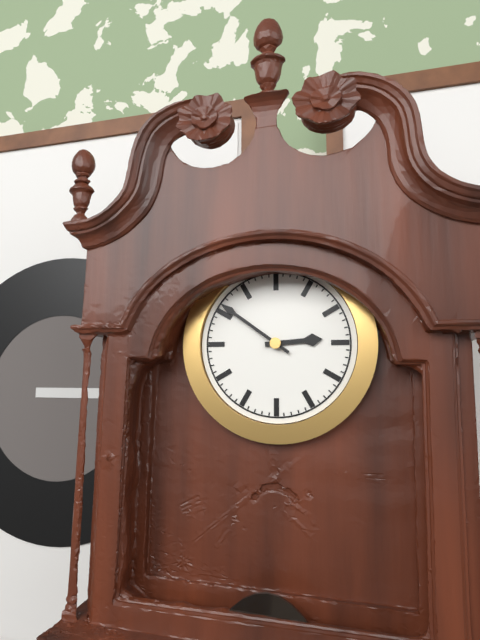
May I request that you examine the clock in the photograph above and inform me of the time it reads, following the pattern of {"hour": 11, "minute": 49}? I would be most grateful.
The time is {"hour": 2, "minute": 51}
